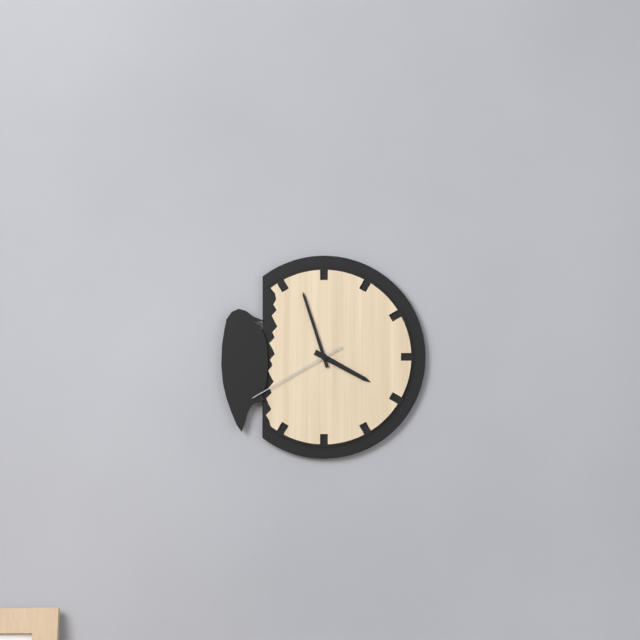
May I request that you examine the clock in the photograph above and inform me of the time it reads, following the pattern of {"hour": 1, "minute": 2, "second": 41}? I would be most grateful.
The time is {"hour": 3, "minute": 57, "second": 40}
